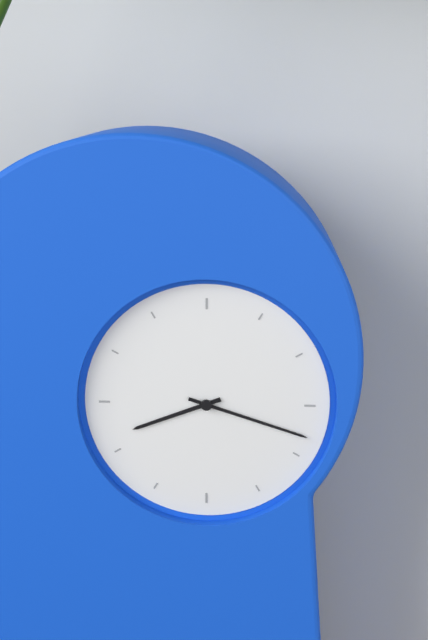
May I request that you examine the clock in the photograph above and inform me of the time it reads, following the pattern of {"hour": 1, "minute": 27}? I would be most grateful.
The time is {"hour": 8, "minute": 18}
